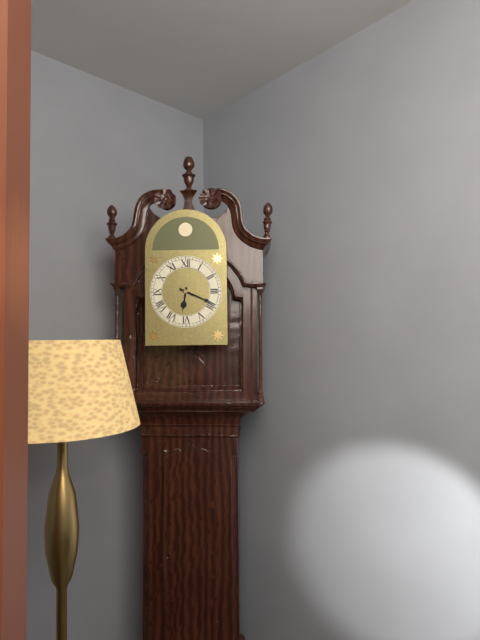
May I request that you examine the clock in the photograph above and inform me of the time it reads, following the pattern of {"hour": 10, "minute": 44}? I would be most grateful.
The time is {"hour": 6, "minute": 19}
